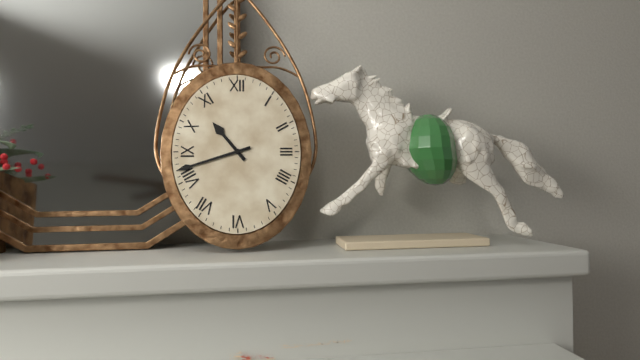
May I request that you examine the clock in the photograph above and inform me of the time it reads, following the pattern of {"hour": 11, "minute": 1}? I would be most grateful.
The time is {"hour": 10, "minute": 42}
